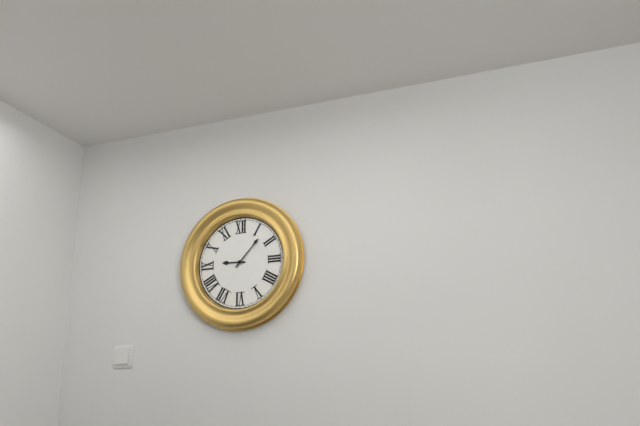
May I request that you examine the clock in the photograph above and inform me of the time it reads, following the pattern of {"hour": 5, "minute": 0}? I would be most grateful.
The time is {"hour": 9, "minute": 7}
